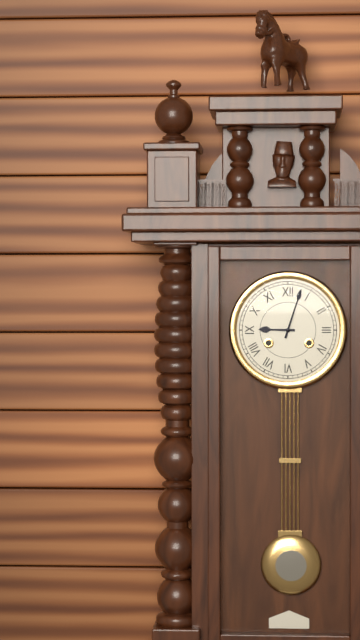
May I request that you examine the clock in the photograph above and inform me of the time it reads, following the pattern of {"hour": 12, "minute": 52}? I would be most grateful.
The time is {"hour": 9, "minute": 3}
